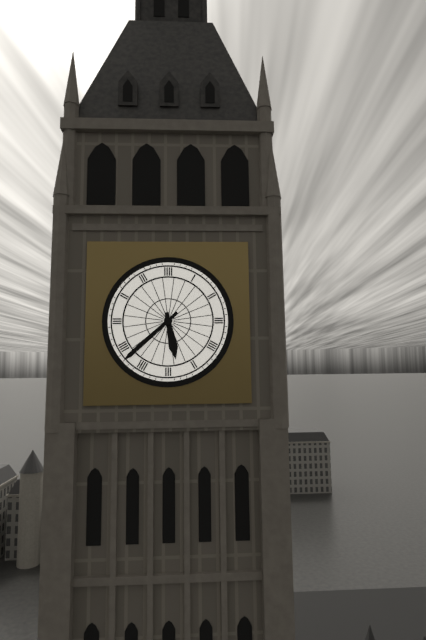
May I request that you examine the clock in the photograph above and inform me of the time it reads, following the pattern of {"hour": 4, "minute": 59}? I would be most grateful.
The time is {"hour": 5, "minute": 38}
